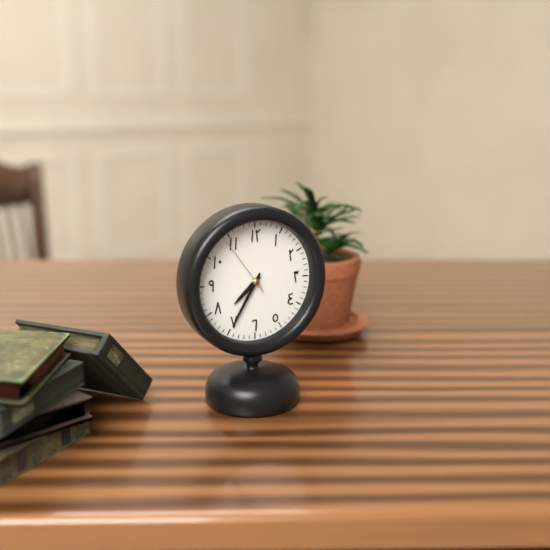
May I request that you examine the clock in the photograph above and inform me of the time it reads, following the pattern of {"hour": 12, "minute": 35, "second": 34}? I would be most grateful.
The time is {"hour": 7, "minute": 35, "second": 54}
